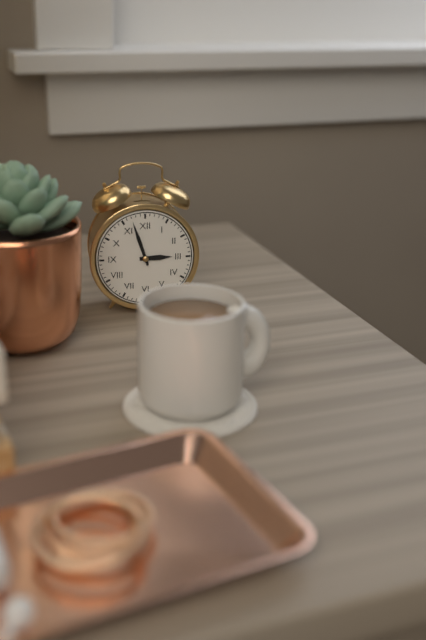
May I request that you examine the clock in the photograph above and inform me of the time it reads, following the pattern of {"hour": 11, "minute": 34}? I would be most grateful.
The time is {"hour": 2, "minute": 57}
